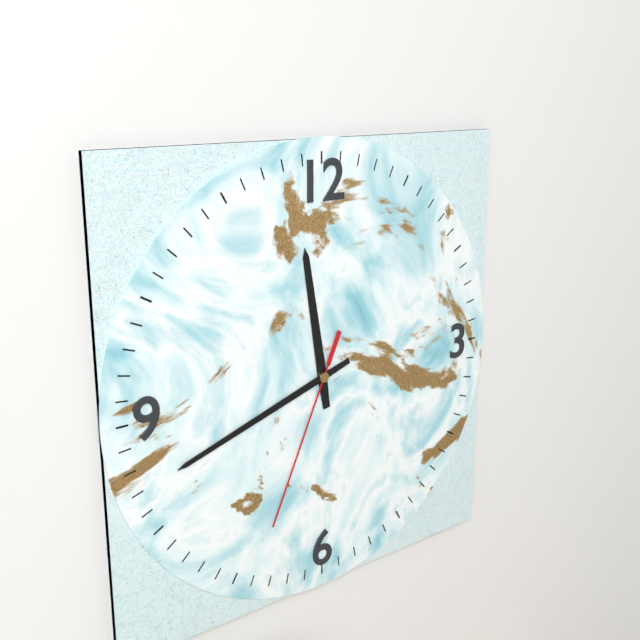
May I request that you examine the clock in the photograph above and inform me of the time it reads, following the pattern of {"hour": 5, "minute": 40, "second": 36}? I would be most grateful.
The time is {"hour": 11, "minute": 42, "second": 34}
